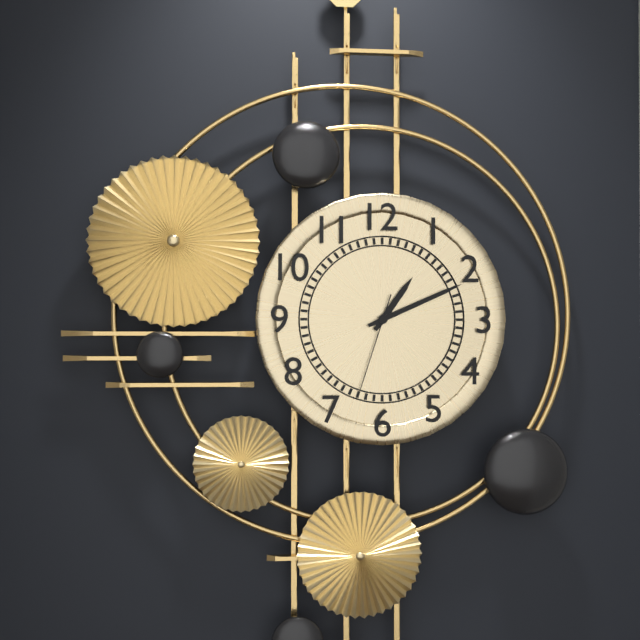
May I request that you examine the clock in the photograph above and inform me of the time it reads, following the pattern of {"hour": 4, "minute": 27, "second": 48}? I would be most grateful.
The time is {"hour": 1, "minute": 11, "second": 33}
